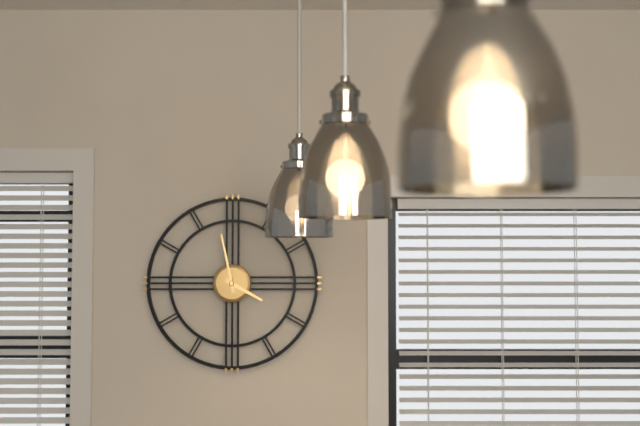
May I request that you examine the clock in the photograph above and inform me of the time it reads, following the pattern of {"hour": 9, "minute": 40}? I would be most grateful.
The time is {"hour": 3, "minute": 58}
